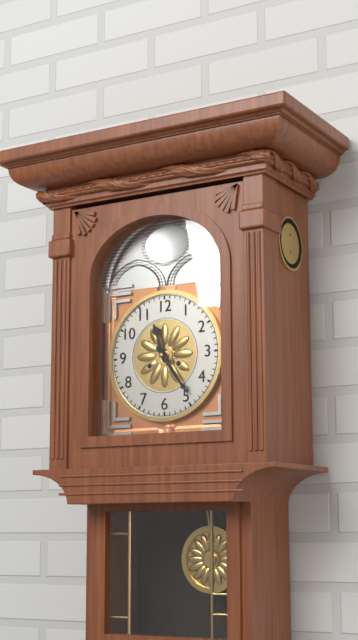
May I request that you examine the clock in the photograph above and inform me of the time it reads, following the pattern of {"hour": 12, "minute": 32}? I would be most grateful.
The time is {"hour": 11, "minute": 24}
